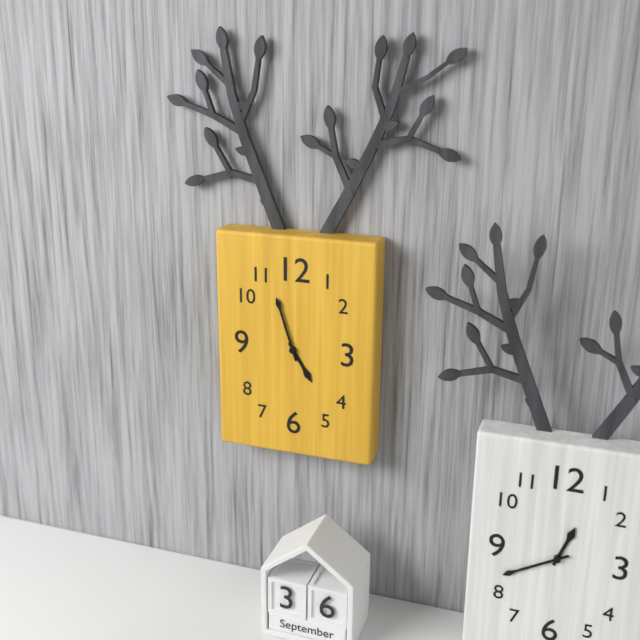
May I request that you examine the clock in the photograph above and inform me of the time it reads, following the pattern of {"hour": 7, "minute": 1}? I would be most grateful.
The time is {"hour": 4, "minute": 57}
